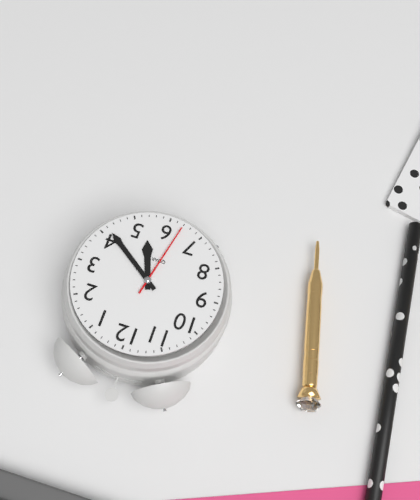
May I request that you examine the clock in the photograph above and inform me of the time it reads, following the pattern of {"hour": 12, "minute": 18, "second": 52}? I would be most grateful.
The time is {"hour": 5, "minute": 21, "second": 32}
